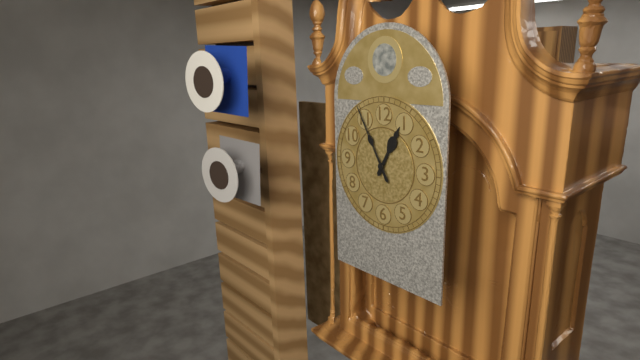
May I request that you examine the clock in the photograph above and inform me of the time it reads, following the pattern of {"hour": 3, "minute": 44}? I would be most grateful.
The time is {"hour": 12, "minute": 55}
